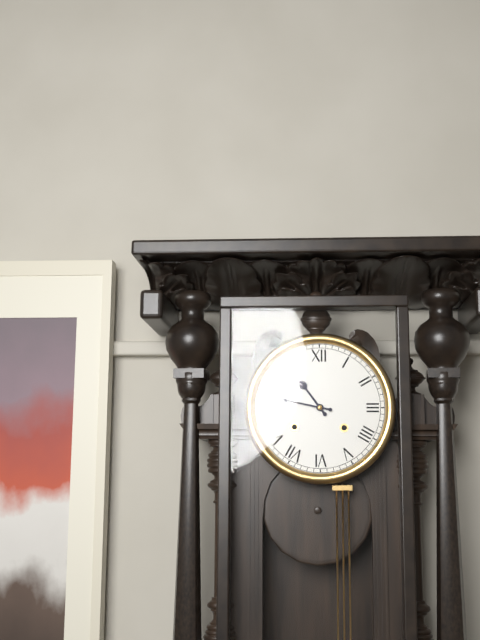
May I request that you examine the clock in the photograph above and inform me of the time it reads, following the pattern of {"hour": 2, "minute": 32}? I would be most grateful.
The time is {"hour": 10, "minute": 47}
